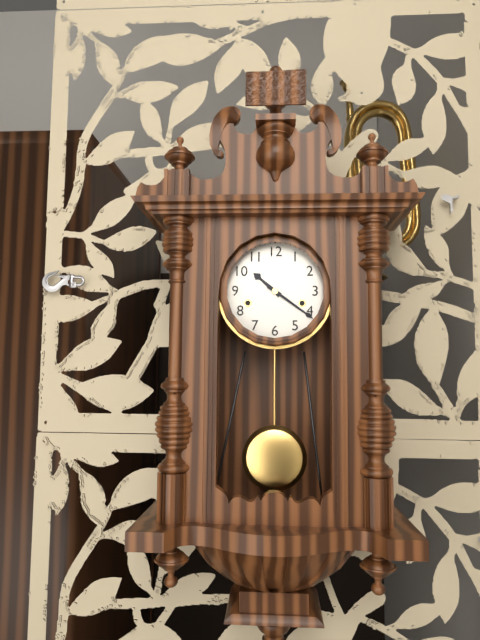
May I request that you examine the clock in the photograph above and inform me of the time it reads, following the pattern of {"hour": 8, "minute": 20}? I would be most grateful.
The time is {"hour": 10, "minute": 21}
